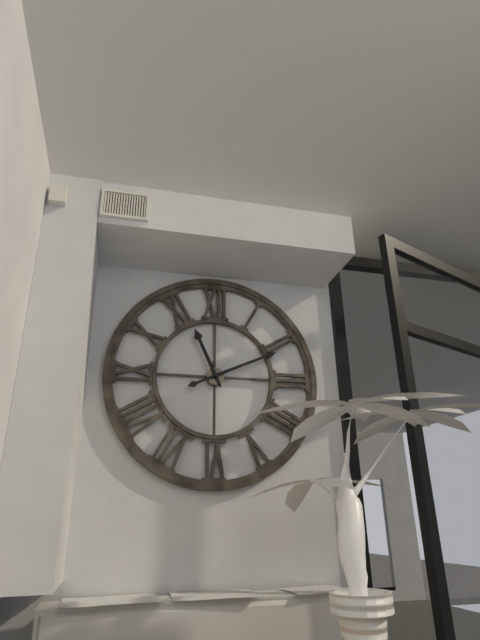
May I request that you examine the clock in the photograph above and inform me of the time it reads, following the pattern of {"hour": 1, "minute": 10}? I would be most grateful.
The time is {"hour": 11, "minute": 11}
